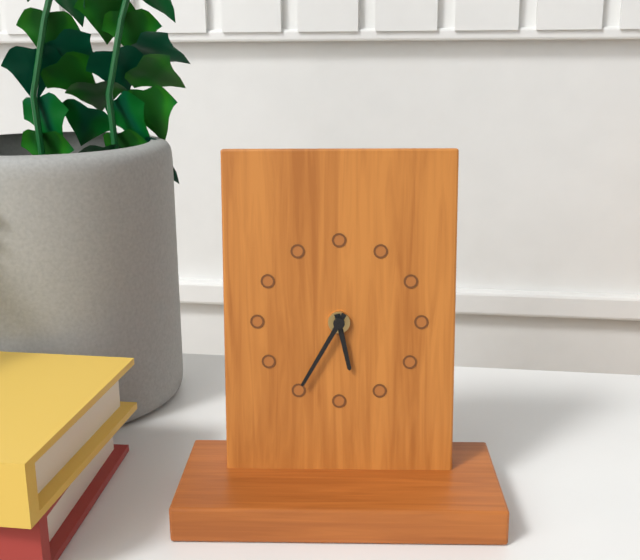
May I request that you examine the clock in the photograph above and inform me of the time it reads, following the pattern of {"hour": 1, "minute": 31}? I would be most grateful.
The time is {"hour": 5, "minute": 35}
